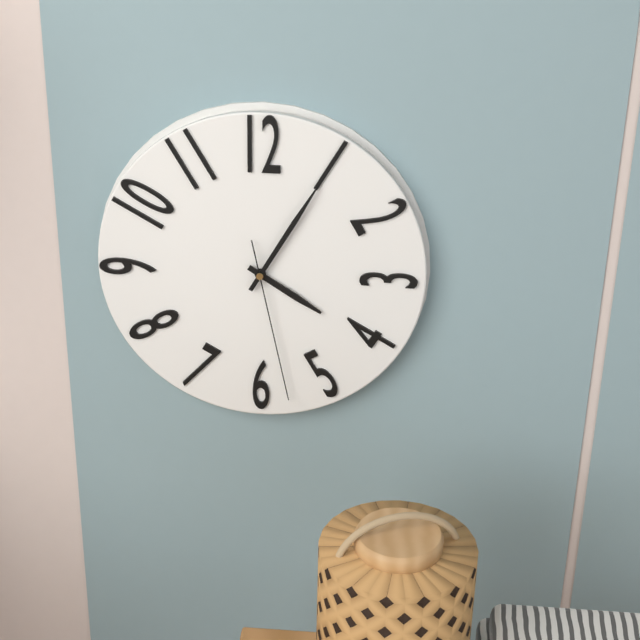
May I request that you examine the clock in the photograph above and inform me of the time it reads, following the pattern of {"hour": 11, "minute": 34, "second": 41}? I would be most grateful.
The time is {"hour": 4, "minute": 5, "second": 28}
